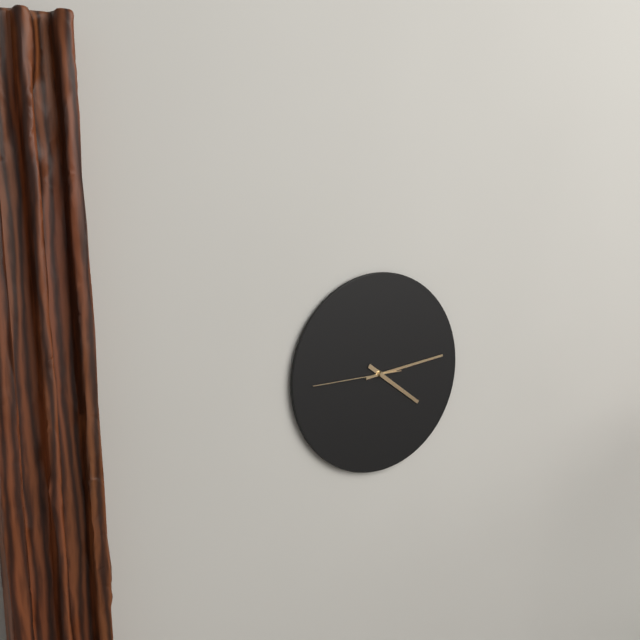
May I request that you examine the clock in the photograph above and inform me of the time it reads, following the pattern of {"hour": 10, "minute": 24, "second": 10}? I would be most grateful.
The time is {"hour": 4, "minute": 14, "second": 45}
